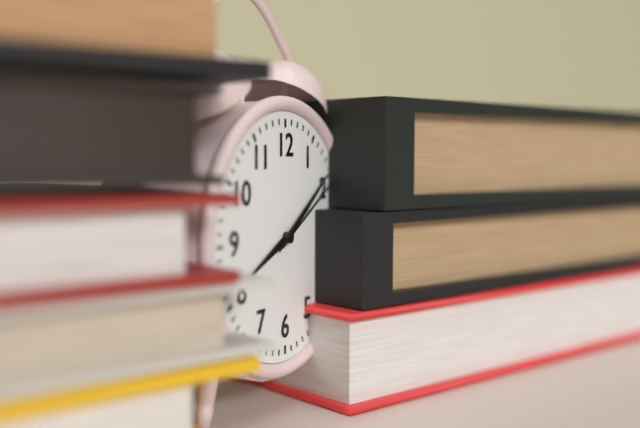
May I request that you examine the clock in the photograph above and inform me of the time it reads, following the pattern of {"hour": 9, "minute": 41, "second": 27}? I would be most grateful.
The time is {"hour": 8, "minute": 9, "second": 10}
